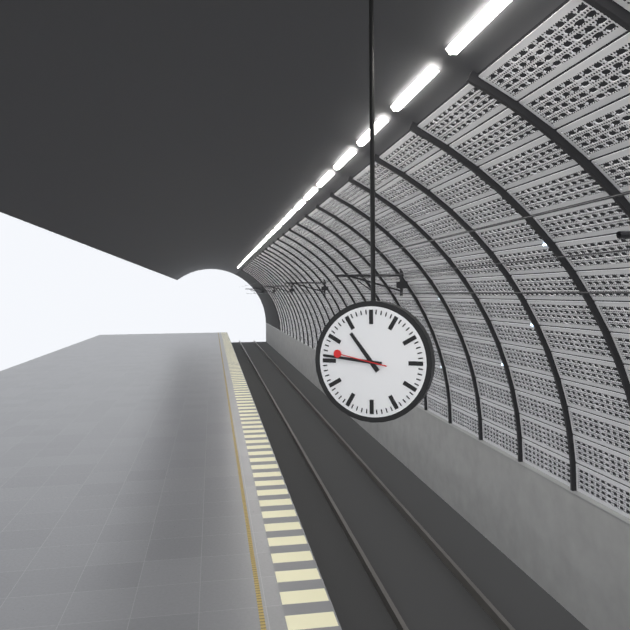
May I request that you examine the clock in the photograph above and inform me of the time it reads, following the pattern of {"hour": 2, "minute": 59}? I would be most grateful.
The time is {"hour": 10, "minute": 46}
